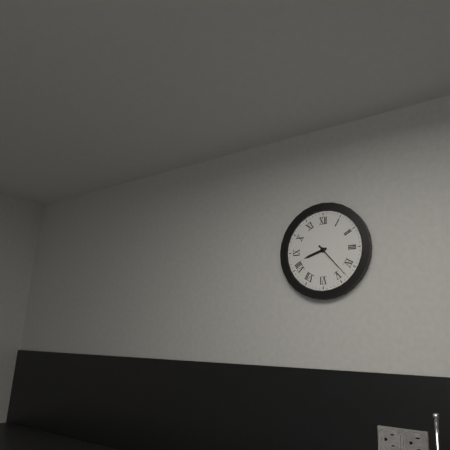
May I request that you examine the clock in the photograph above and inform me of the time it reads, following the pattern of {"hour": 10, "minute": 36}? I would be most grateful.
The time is {"hour": 8, "minute": 23}
